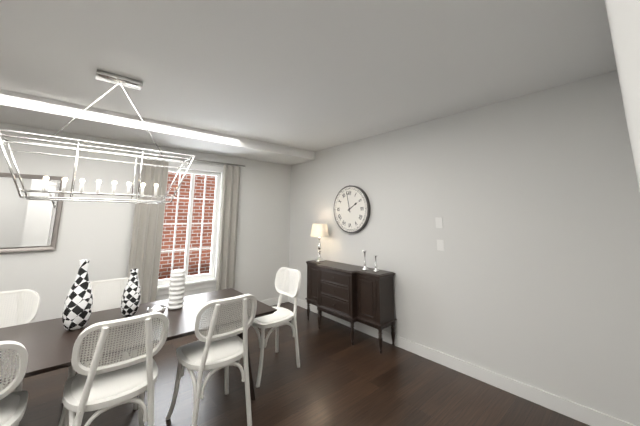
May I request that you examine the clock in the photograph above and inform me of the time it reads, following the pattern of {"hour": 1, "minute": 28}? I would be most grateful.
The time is {"hour": 1, "minute": 58}
